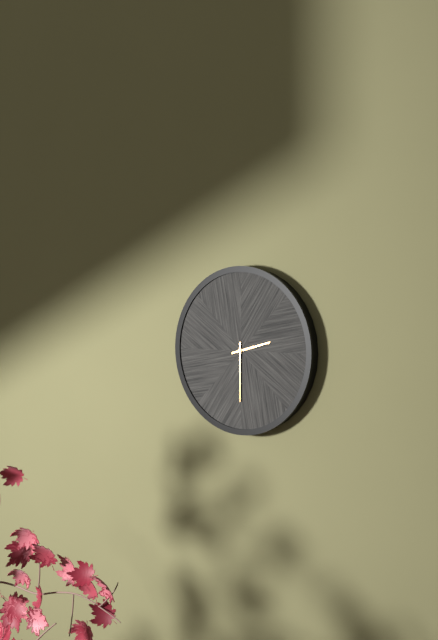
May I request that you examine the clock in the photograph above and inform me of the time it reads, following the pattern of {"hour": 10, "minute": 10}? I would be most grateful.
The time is {"hour": 2, "minute": 30}
